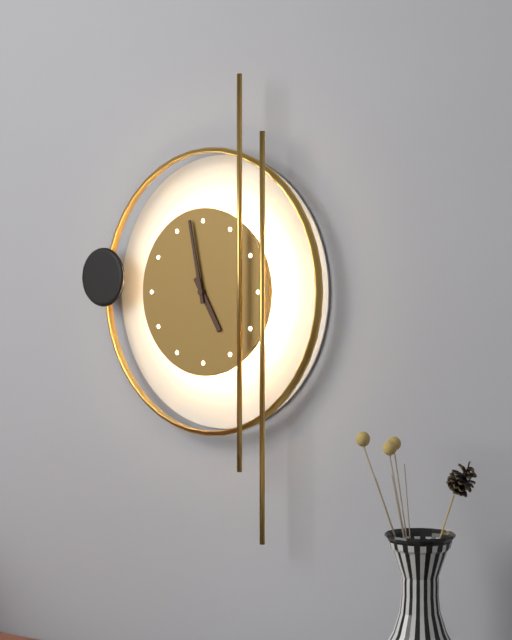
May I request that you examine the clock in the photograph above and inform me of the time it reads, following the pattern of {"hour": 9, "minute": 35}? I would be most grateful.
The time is {"hour": 4, "minute": 58}
